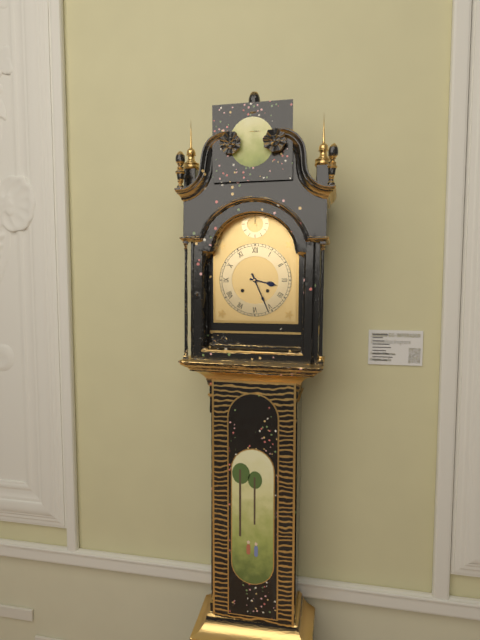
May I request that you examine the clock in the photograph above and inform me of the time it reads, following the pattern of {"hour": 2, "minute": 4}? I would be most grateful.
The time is {"hour": 3, "minute": 26}
